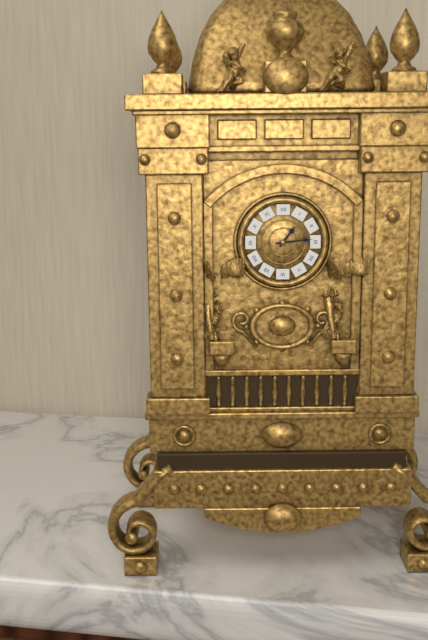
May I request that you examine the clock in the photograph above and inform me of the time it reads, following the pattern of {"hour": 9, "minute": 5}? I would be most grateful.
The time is {"hour": 1, "minute": 14}
